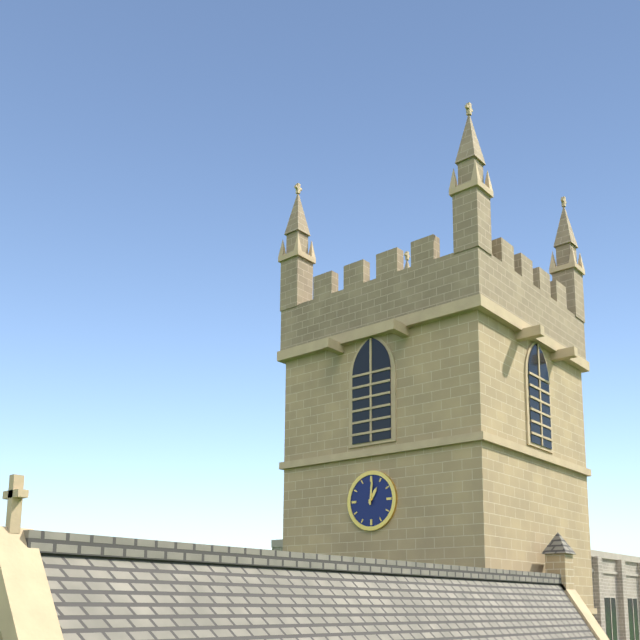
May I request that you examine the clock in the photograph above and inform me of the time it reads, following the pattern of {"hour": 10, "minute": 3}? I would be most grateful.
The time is {"hour": 1, "minute": 1}
